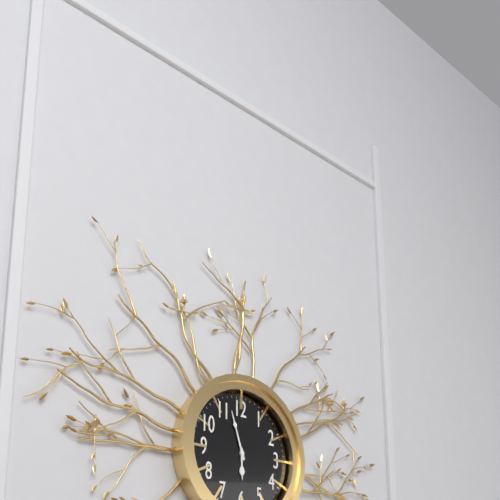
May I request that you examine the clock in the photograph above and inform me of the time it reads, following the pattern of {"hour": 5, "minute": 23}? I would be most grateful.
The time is {"hour": 5, "minute": 57}
